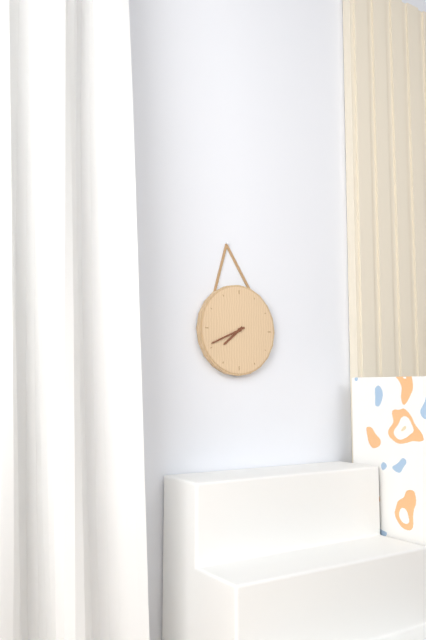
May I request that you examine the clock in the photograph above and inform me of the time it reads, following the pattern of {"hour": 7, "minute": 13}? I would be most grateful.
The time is {"hour": 7, "minute": 41}
